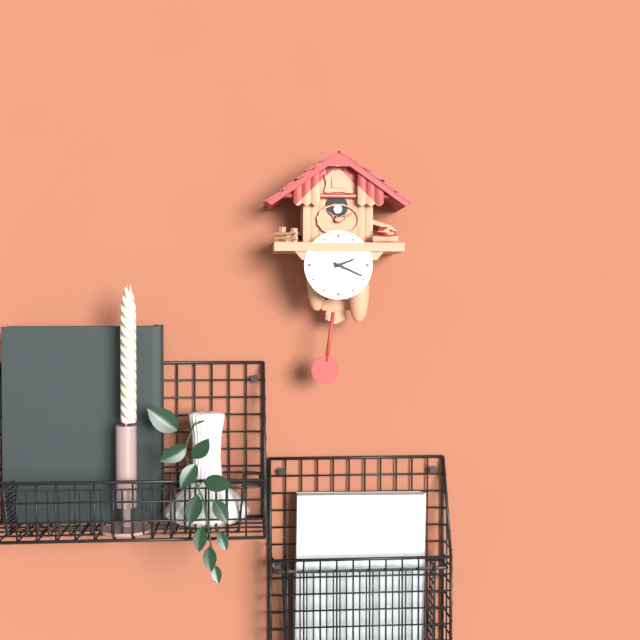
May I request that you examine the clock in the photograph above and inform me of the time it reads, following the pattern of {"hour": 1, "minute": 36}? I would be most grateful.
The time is {"hour": 2, "minute": 19}
